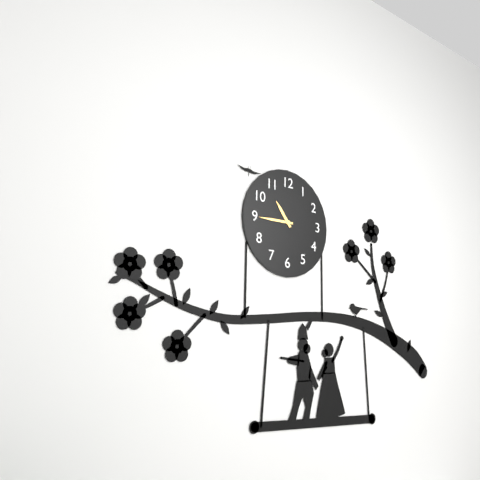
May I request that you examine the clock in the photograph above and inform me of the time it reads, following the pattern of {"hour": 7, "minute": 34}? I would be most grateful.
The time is {"hour": 10, "minute": 45}
